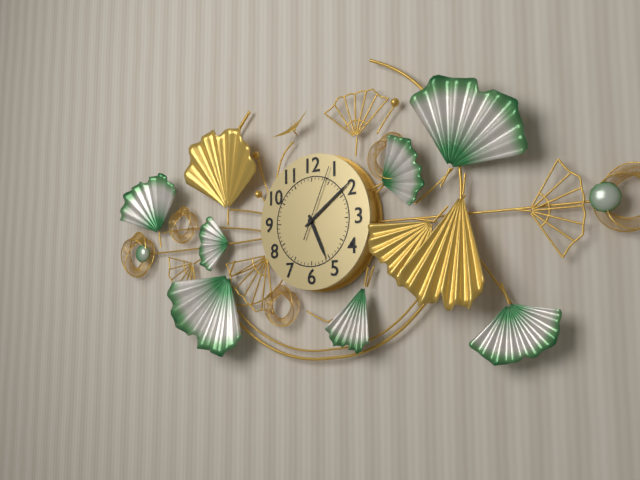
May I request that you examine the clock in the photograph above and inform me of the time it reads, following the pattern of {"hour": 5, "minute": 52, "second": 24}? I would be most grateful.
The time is {"hour": 5, "minute": 9, "second": 4}
